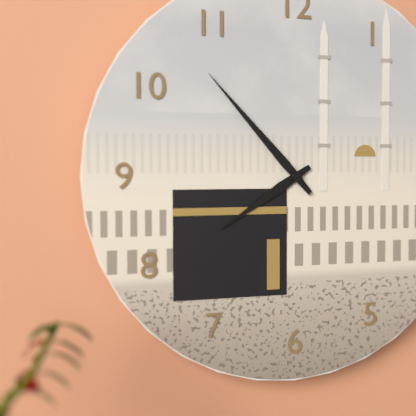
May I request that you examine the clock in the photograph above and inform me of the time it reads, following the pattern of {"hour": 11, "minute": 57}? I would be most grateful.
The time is {"hour": 7, "minute": 53}
